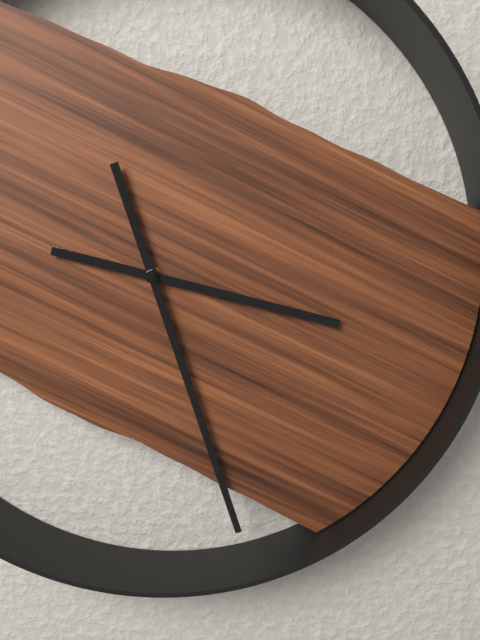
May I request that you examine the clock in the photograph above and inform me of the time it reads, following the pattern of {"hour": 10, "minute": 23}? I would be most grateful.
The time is {"hour": 3, "minute": 27}
